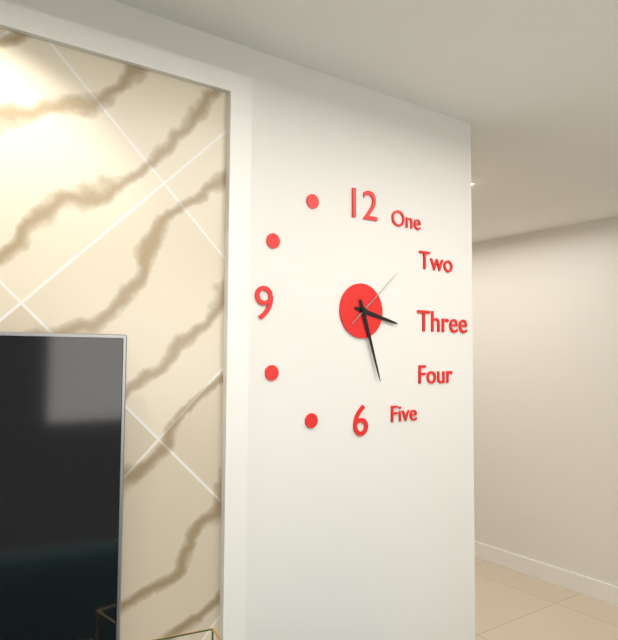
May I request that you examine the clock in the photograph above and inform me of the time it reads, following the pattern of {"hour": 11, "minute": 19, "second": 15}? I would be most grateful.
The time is {"hour": 3, "minute": 27, "second": 8}
